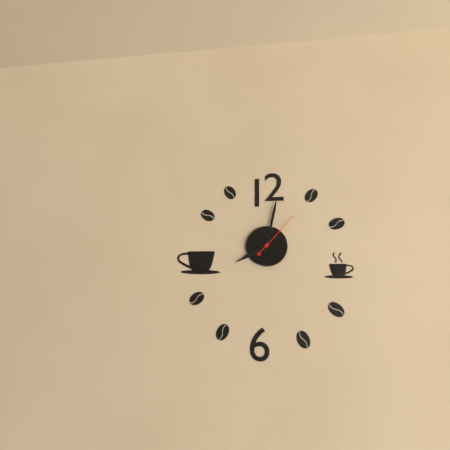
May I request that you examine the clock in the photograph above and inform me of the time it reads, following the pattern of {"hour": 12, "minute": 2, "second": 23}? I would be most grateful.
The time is {"hour": 8, "minute": 2, "second": 7}
